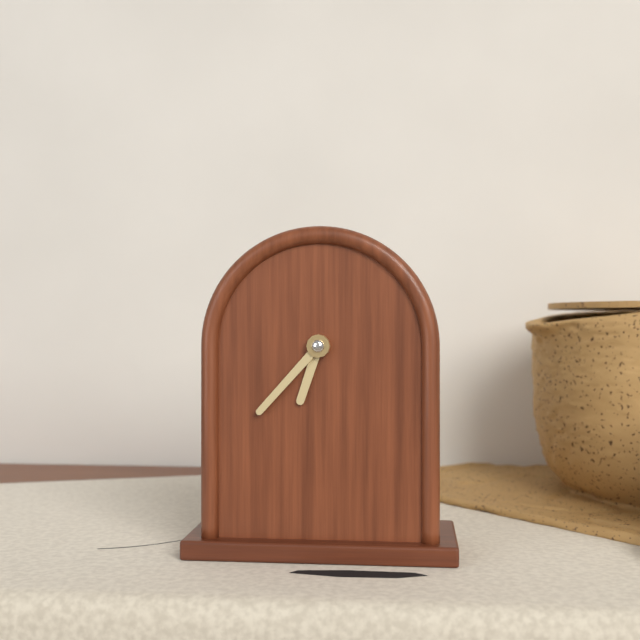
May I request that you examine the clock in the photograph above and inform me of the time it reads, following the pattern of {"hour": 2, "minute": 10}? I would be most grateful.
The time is {"hour": 6, "minute": 37}
